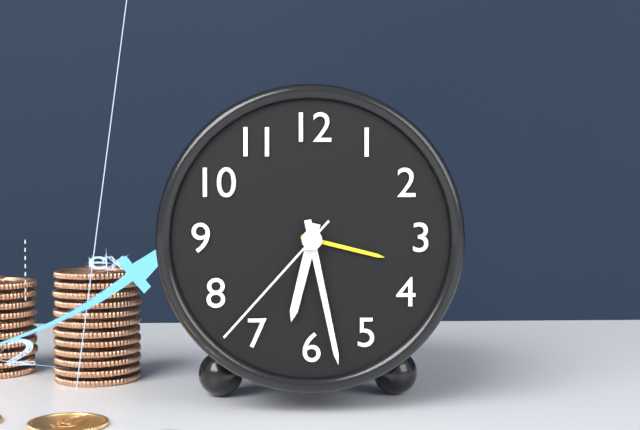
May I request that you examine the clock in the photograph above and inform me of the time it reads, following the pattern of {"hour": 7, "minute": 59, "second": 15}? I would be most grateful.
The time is {"hour": 6, "minute": 28, "second": 37}
